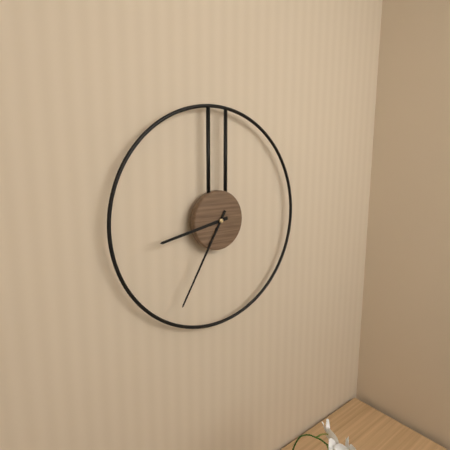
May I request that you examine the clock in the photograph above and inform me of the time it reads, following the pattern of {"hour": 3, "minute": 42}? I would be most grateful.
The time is {"hour": 8, "minute": 35}
